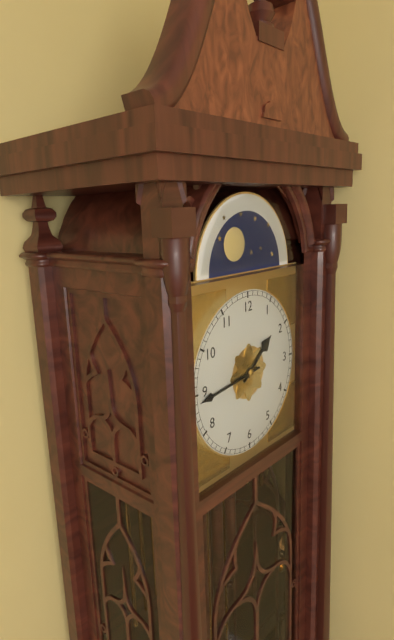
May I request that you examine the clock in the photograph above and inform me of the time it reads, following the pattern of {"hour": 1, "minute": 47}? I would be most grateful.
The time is {"hour": 1, "minute": 44}
